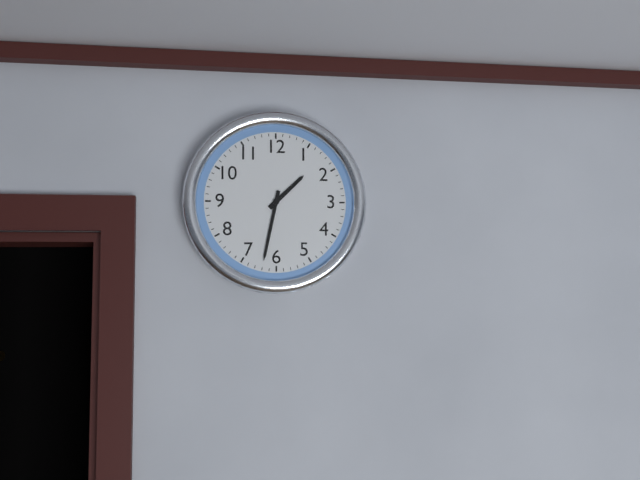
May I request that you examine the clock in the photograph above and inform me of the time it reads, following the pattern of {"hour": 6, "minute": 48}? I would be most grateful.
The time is {"hour": 1, "minute": 32}
